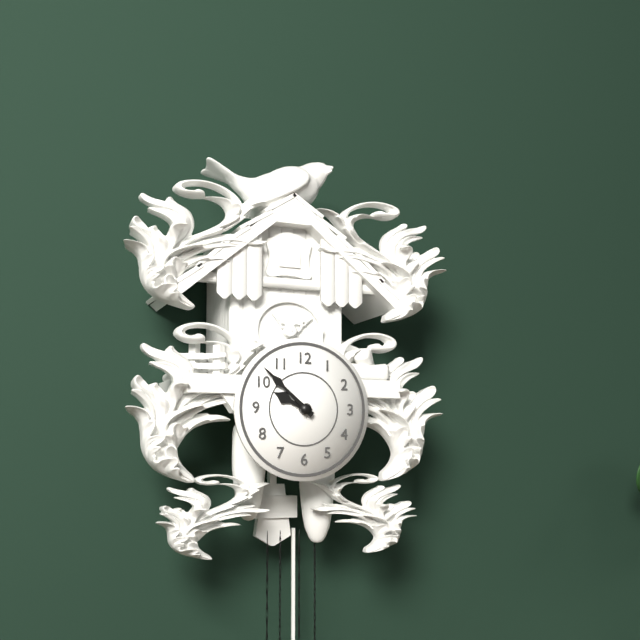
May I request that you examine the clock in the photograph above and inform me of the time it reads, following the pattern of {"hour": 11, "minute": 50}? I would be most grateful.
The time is {"hour": 9, "minute": 52}
